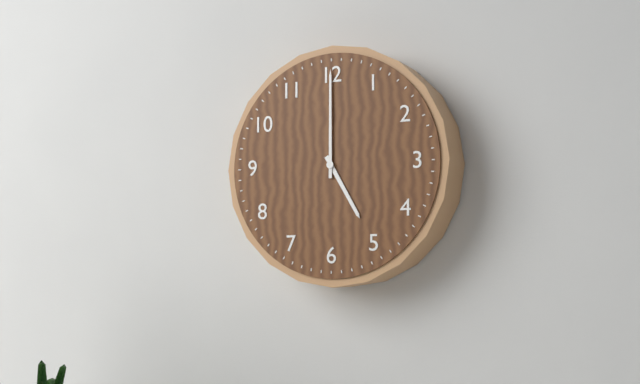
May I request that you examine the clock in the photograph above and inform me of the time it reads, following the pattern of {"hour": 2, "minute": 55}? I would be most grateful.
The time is {"hour": 5, "minute": 0}
